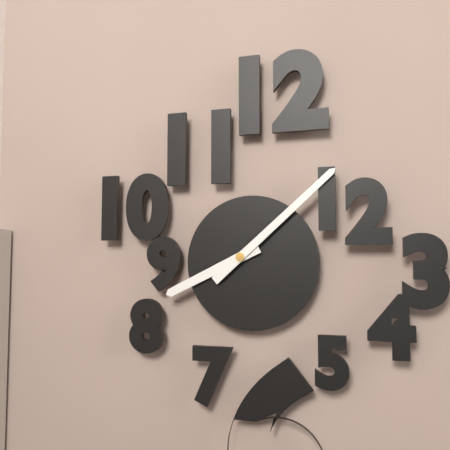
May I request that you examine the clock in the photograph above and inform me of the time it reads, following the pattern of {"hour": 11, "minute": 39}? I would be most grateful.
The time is {"hour": 8, "minute": 8}
